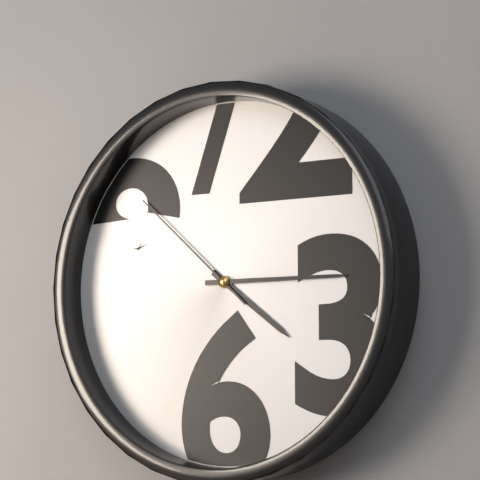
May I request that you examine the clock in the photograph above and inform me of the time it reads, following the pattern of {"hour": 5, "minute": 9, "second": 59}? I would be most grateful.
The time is {"hour": 4, "minute": 15, "second": 52}
